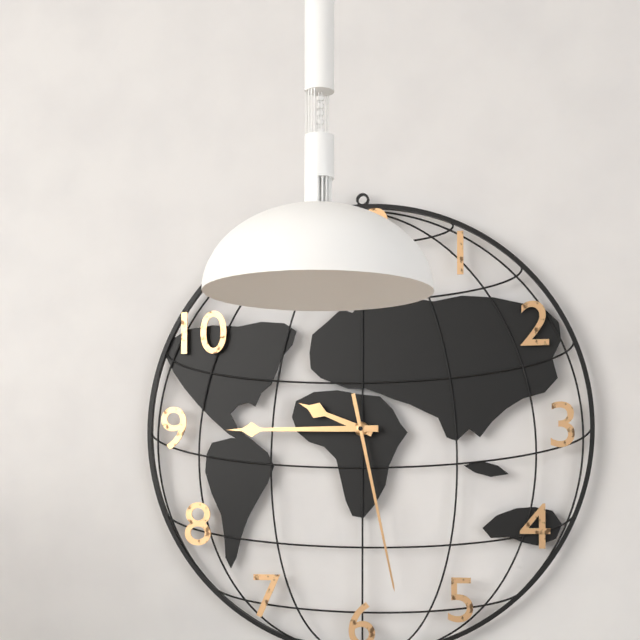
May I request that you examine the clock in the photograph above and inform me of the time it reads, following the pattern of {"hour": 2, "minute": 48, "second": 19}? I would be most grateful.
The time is {"hour": 9, "minute": 45, "second": 28}
